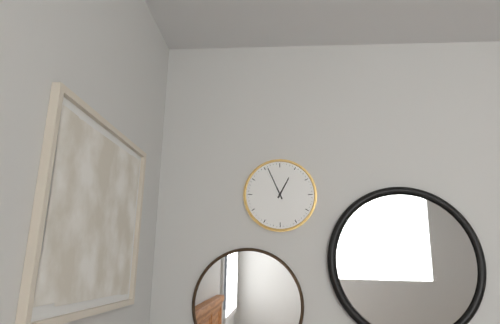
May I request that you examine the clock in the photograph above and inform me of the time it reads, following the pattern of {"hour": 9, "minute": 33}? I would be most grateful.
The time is {"hour": 12, "minute": 56}
